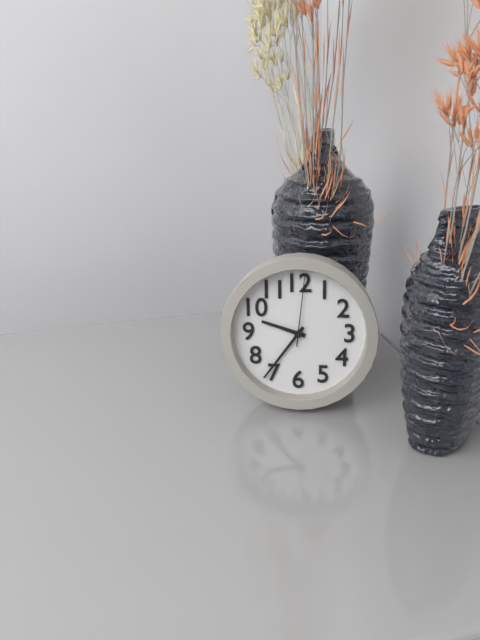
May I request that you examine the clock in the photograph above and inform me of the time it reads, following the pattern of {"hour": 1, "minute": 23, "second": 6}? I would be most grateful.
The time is {"hour": 9, "minute": 36, "second": 1}
